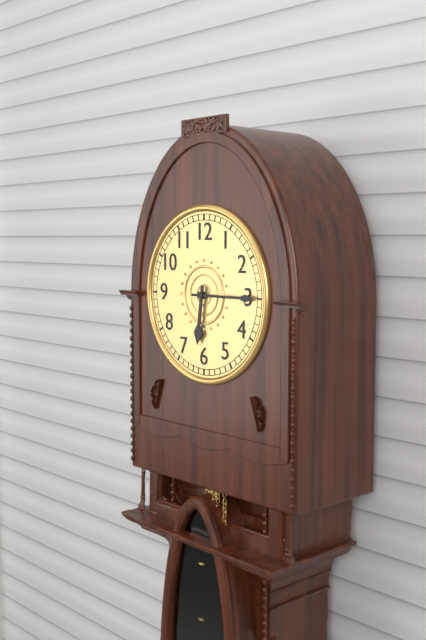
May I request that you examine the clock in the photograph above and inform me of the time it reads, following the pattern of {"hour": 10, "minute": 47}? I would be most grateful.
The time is {"hour": 6, "minute": 15}
